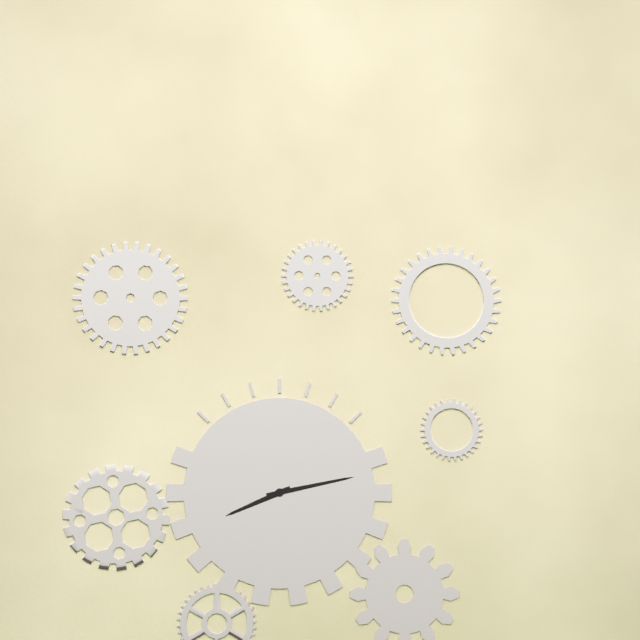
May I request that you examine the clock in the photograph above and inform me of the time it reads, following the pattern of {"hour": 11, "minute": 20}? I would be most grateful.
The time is {"hour": 8, "minute": 13}
